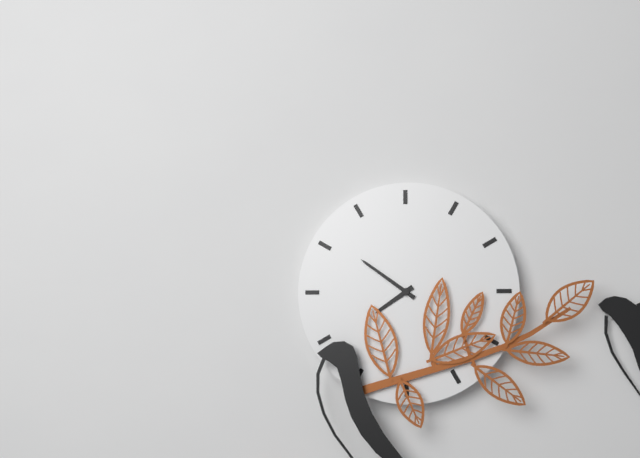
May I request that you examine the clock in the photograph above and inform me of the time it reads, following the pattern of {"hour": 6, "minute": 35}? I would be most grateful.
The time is {"hour": 7, "minute": 51}
